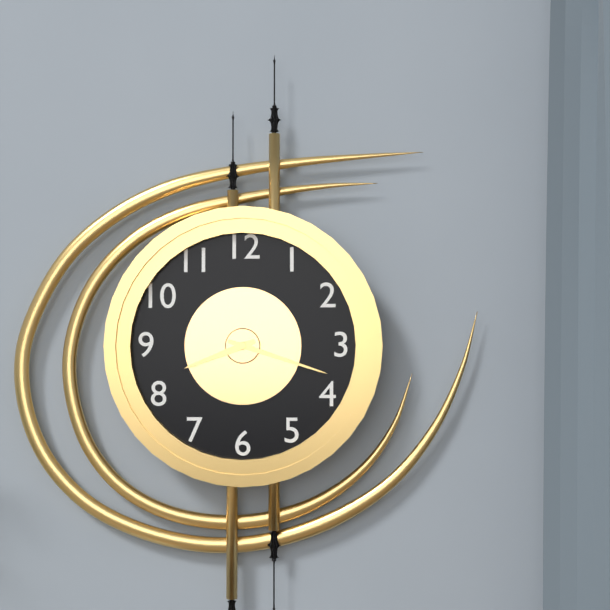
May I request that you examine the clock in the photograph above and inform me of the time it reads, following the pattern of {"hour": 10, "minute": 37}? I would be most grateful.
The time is {"hour": 8, "minute": 18}
